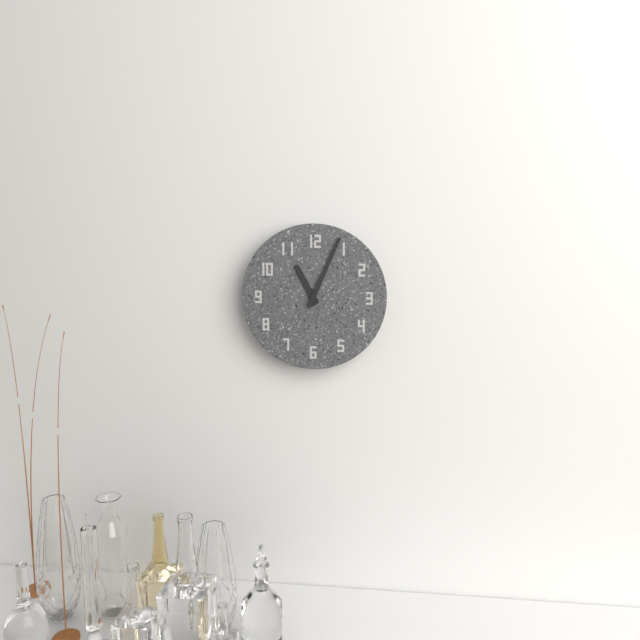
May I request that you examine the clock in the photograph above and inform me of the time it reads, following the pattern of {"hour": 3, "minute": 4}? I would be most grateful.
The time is {"hour": 11, "minute": 4}
